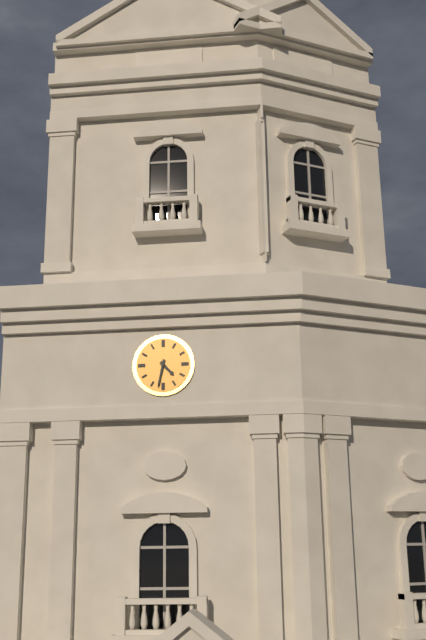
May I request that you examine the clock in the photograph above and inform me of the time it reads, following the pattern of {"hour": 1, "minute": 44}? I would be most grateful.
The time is {"hour": 4, "minute": 32}
